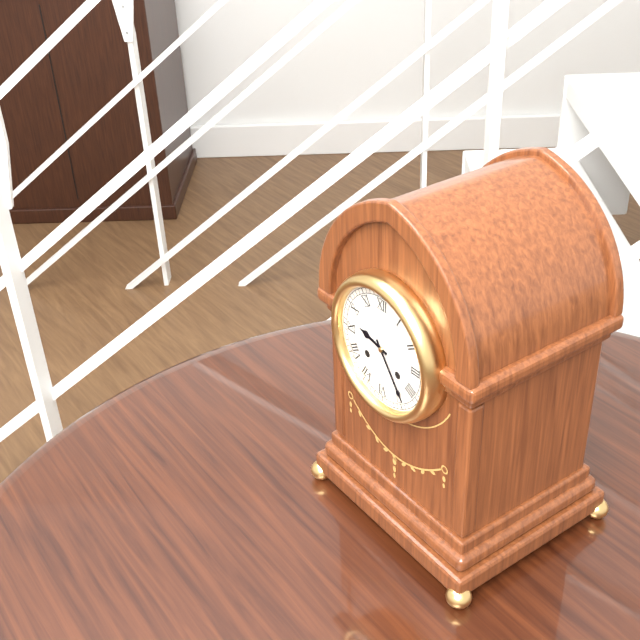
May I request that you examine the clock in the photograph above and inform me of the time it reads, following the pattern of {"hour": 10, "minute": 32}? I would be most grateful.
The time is {"hour": 9, "minute": 24}
